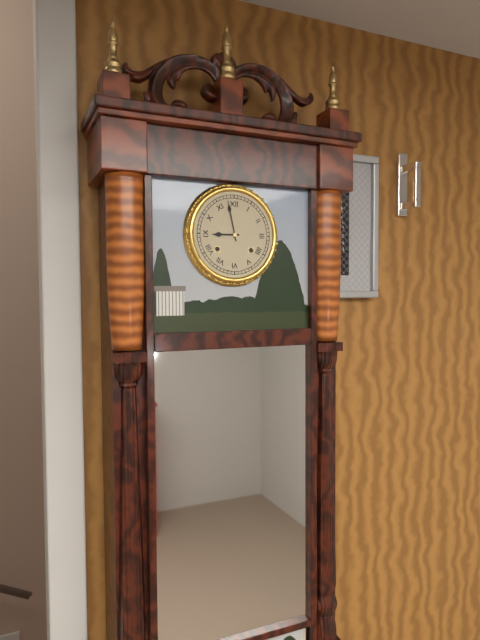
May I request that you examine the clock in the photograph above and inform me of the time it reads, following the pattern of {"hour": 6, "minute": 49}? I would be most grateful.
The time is {"hour": 8, "minute": 58}
